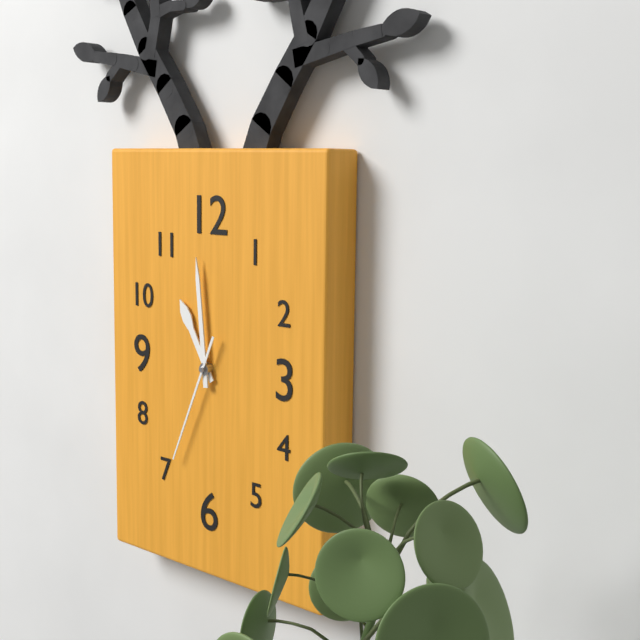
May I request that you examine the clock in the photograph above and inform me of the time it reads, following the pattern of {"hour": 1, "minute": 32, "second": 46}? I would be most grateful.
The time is {"hour": 10, "minute": 59, "second": 34}
